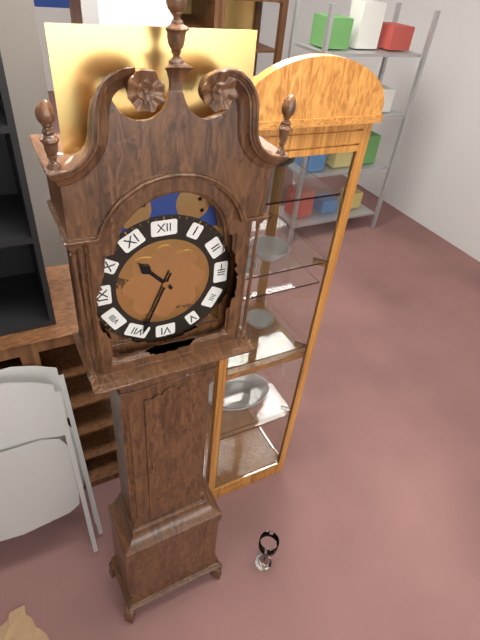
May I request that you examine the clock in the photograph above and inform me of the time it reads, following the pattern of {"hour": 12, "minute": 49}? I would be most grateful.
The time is {"hour": 10, "minute": 34}
